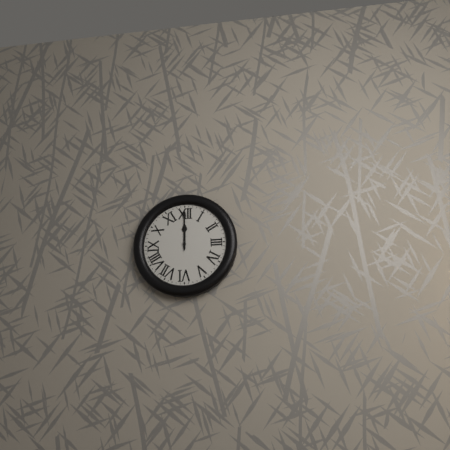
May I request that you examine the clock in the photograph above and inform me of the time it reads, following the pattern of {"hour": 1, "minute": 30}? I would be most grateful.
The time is {"hour": 12, "minute": 0}
